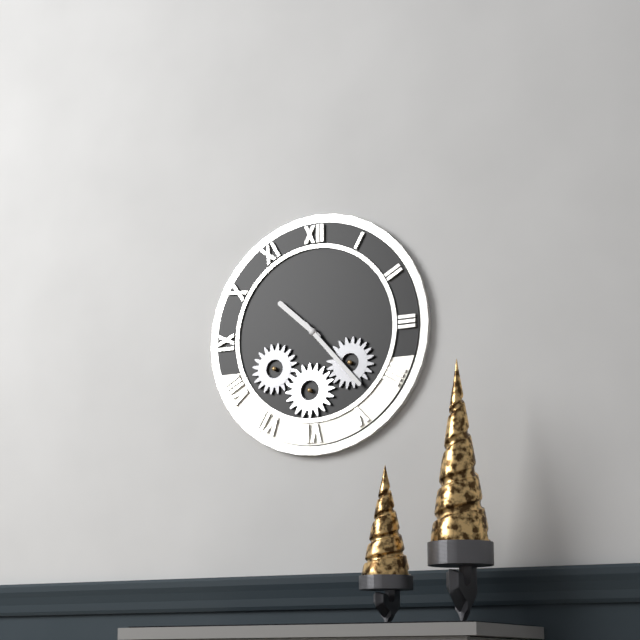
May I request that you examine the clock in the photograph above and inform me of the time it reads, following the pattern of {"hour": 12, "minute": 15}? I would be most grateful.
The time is {"hour": 10, "minute": 23}
